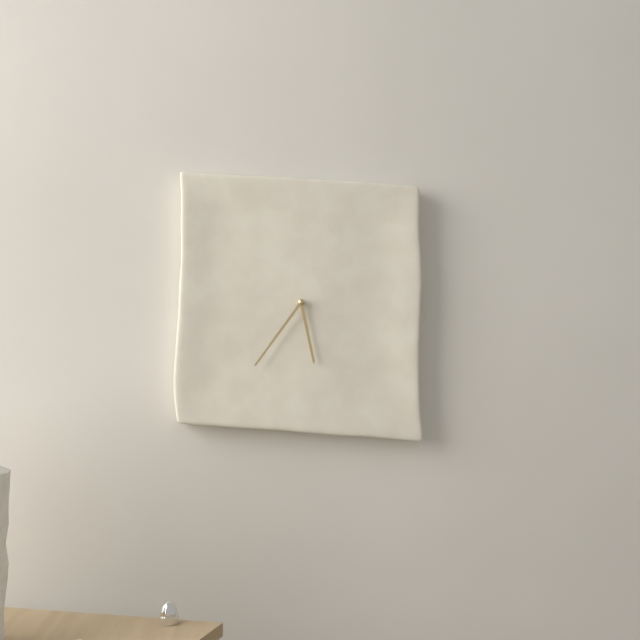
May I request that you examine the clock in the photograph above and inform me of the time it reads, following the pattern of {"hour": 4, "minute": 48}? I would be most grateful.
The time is {"hour": 5, "minute": 36}
